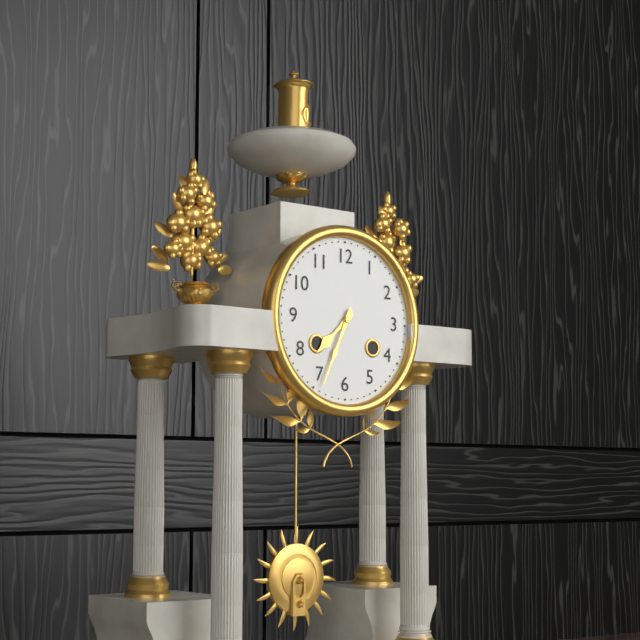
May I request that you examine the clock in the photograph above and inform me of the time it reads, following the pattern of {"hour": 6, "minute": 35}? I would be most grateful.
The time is {"hour": 7, "minute": 34}
